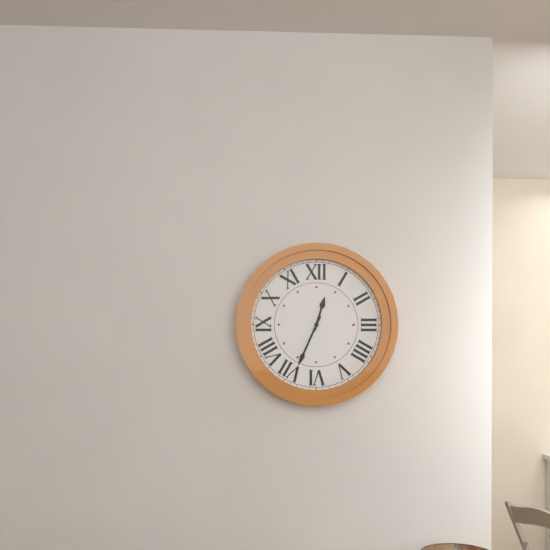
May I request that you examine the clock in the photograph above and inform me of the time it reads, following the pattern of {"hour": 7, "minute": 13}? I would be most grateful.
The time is {"hour": 12, "minute": 34}
